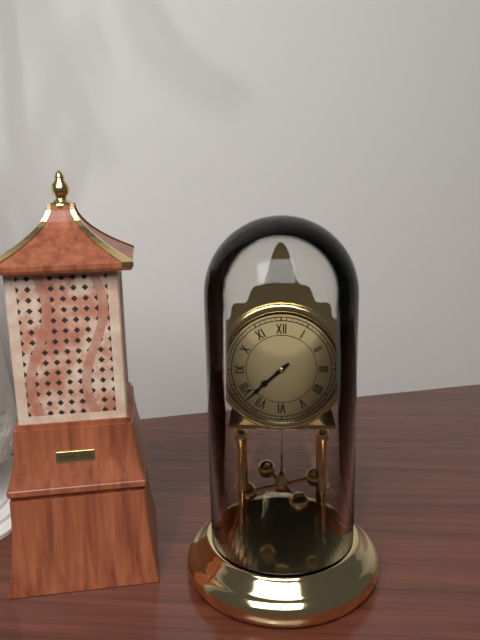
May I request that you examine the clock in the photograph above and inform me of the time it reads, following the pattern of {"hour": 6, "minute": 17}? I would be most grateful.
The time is {"hour": 7, "minute": 38}
